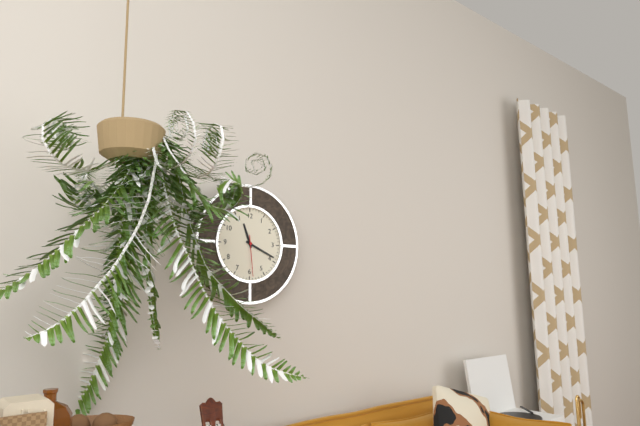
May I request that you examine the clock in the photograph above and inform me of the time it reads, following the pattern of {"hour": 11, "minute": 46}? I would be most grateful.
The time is {"hour": 11, "minute": 19}
